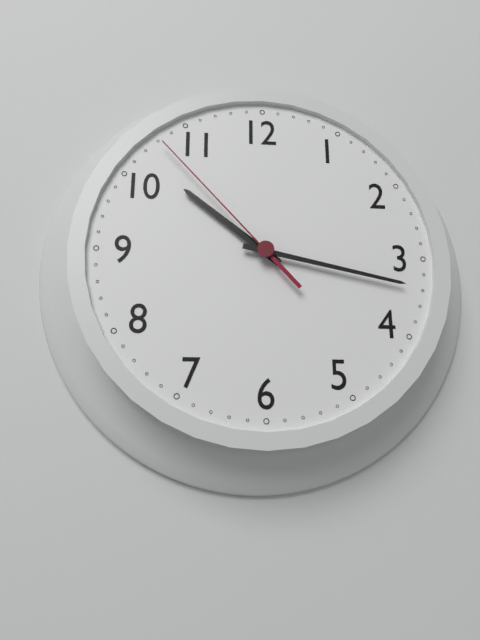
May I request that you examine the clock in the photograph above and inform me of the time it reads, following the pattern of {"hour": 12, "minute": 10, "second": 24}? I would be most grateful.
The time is {"hour": 10, "minute": 17, "second": 53}
